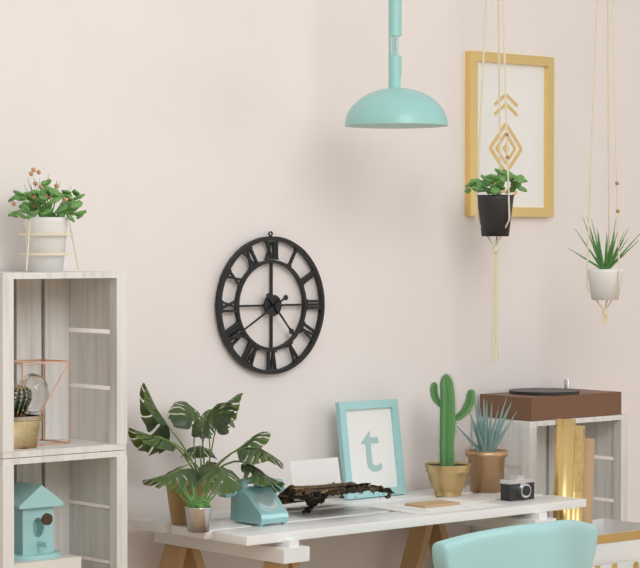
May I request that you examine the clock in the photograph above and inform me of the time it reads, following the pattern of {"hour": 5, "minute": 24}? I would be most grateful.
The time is {"hour": 4, "minute": 40}
